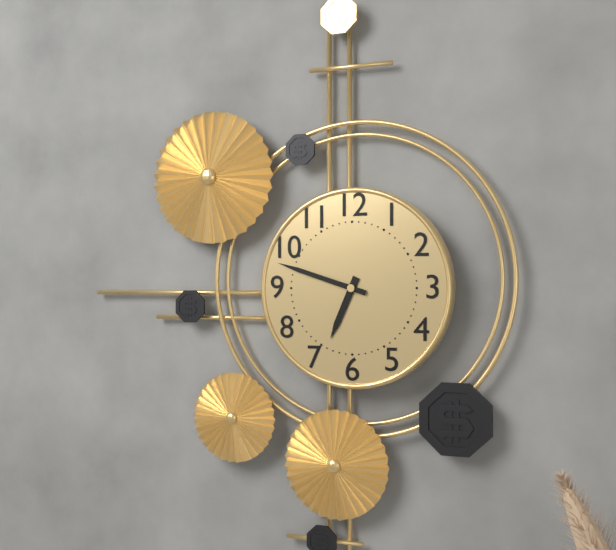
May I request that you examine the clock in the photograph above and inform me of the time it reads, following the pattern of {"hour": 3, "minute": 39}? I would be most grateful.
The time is {"hour": 6, "minute": 48}
